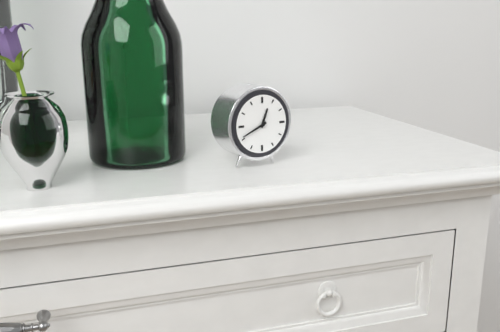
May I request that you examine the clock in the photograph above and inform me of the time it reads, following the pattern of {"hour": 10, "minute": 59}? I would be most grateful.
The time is {"hour": 12, "minute": 41}
